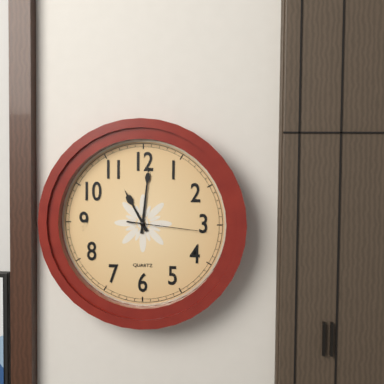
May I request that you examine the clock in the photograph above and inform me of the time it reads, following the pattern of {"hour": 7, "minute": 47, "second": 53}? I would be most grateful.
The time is {"hour": 11, "minute": 1, "second": 16}
